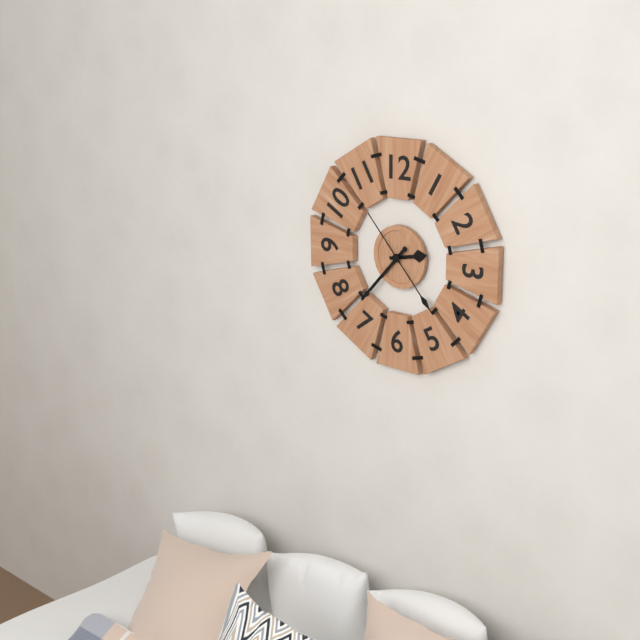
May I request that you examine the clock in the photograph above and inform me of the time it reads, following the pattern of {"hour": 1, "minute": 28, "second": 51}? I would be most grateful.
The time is {"hour": 2, "minute": 37, "second": 23}
